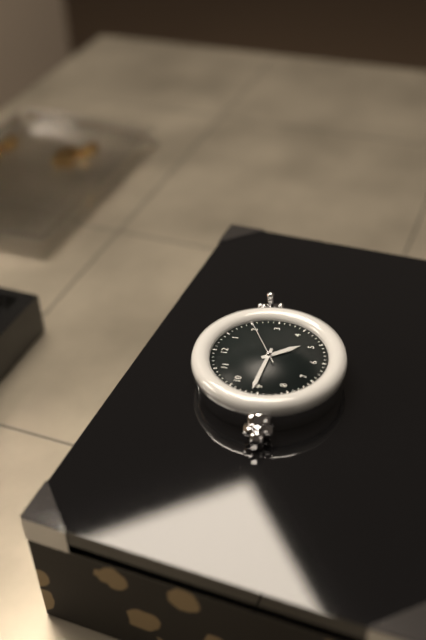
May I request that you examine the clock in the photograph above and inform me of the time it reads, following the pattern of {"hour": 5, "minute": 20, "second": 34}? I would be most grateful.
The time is {"hour": 4, "minute": 46, "second": 10}
